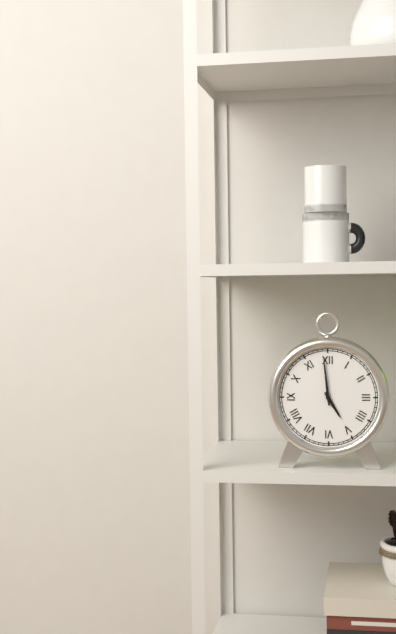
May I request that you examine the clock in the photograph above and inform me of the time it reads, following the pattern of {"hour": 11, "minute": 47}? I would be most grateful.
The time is {"hour": 4, "minute": 59}
